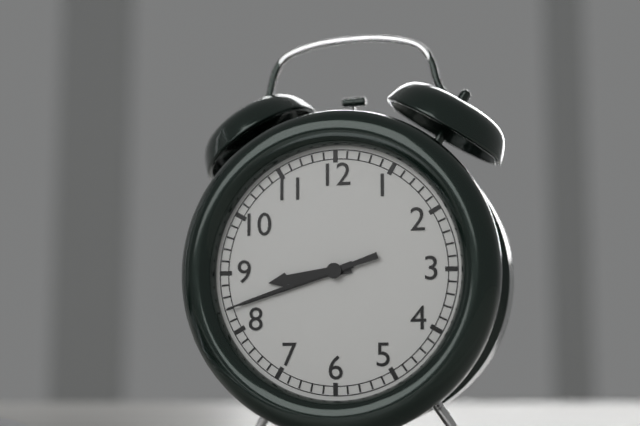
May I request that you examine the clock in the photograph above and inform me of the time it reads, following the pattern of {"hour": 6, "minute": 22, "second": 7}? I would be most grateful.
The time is {"hour": 8, "minute": 42, "second": 42}
